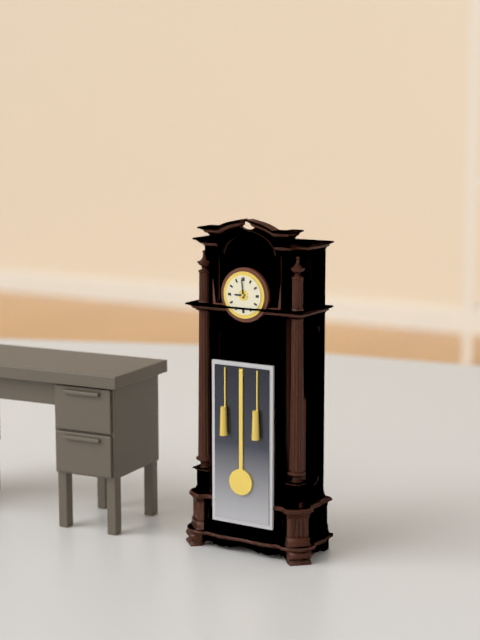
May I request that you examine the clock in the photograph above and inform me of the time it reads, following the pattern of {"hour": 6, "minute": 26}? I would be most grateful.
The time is {"hour": 8, "minute": 59}
